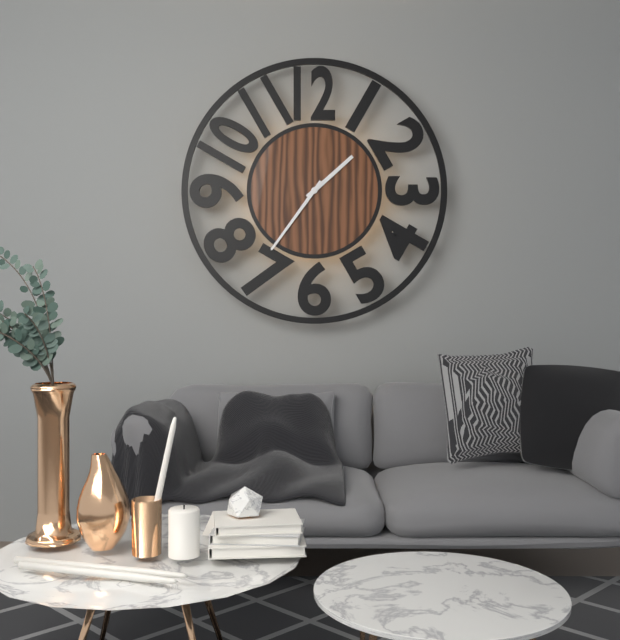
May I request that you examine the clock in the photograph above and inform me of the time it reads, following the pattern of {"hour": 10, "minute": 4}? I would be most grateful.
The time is {"hour": 1, "minute": 36}
